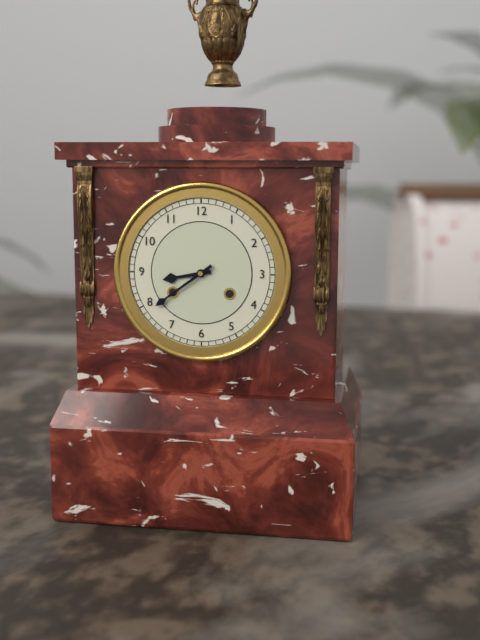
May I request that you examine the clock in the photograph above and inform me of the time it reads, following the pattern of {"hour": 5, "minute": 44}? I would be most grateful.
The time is {"hour": 8, "minute": 39}
